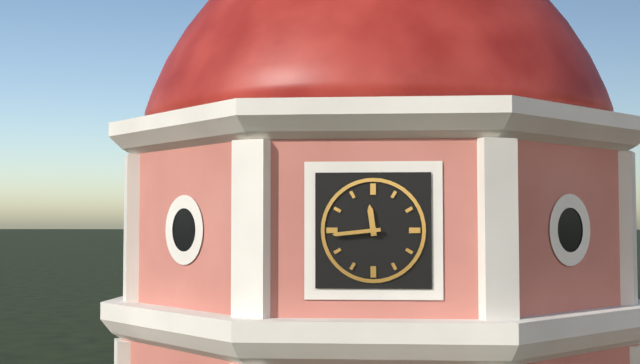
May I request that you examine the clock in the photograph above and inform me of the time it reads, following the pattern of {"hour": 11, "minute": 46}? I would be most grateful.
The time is {"hour": 11, "minute": 44}
